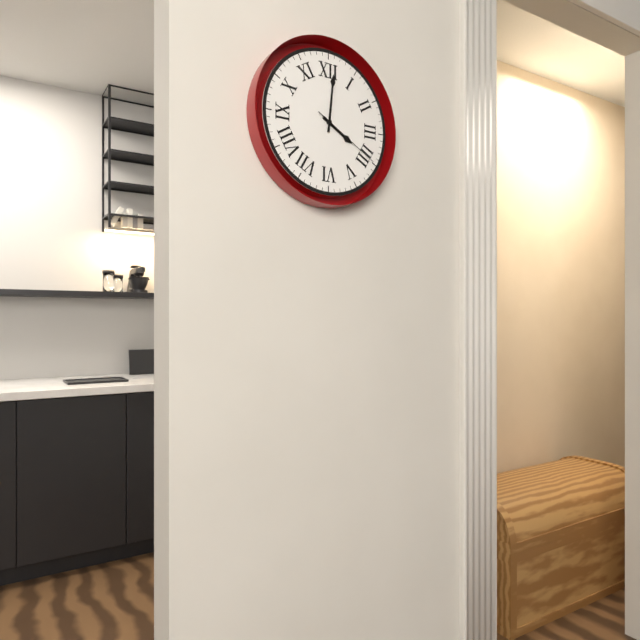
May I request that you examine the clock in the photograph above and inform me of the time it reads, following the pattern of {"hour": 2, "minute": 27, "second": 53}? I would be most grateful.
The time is {"hour": 4, "minute": 1, "second": 20}
